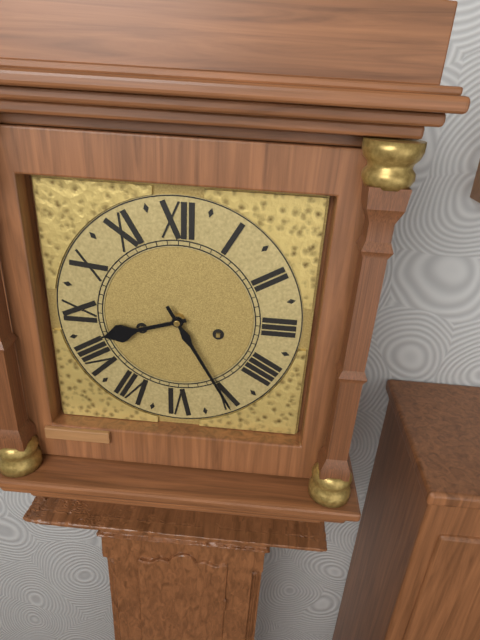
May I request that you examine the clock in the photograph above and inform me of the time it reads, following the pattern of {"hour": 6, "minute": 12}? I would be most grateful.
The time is {"hour": 8, "minute": 25}
